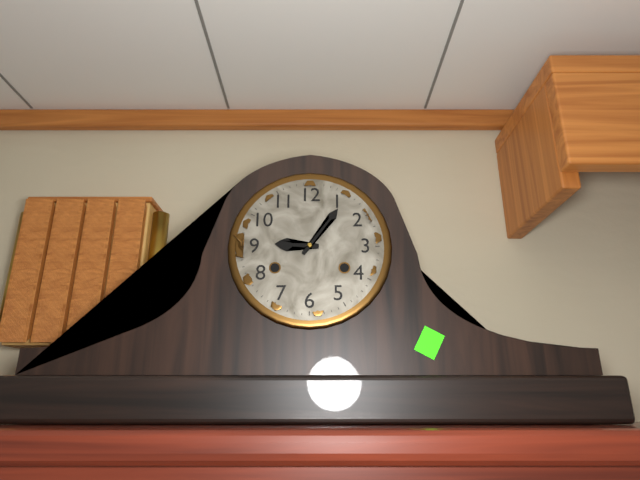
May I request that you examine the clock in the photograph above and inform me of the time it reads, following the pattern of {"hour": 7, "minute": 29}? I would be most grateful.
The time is {"hour": 9, "minute": 6}
